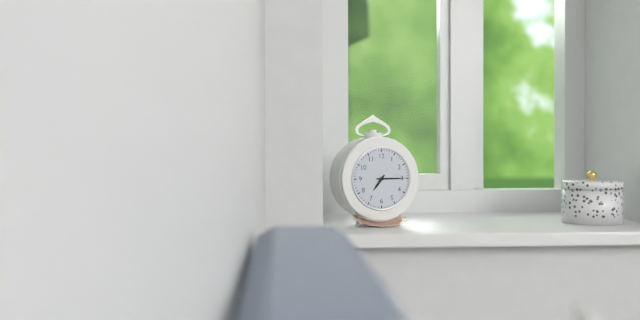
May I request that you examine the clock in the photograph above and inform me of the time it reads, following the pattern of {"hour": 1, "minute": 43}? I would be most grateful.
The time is {"hour": 7, "minute": 15}
